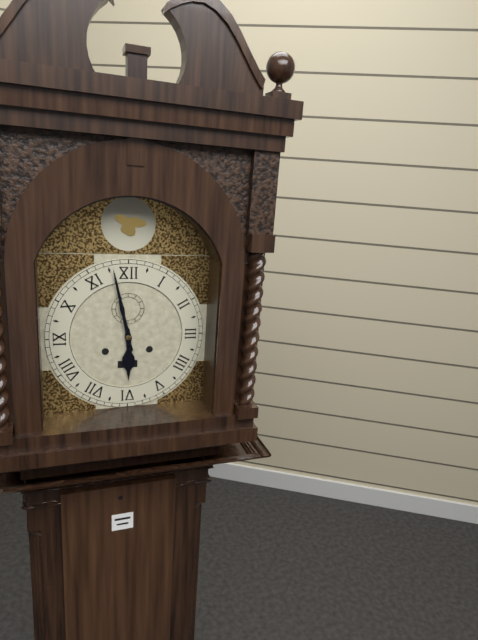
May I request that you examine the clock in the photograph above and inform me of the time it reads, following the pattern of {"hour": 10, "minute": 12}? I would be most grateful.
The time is {"hour": 5, "minute": 58}
